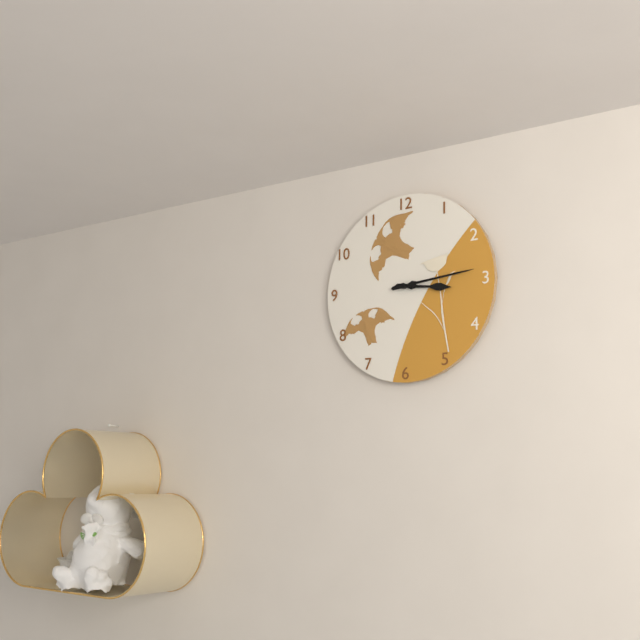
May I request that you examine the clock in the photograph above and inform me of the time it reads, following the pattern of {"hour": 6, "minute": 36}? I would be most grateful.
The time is {"hour": 3, "minute": 14}
